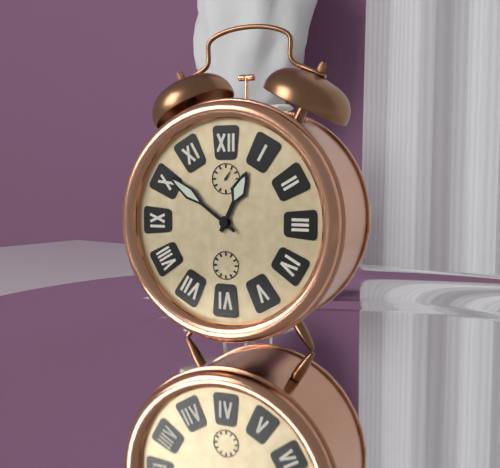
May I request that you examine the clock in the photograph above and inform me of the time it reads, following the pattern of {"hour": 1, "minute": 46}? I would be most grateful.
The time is {"hour": 12, "minute": 51}
